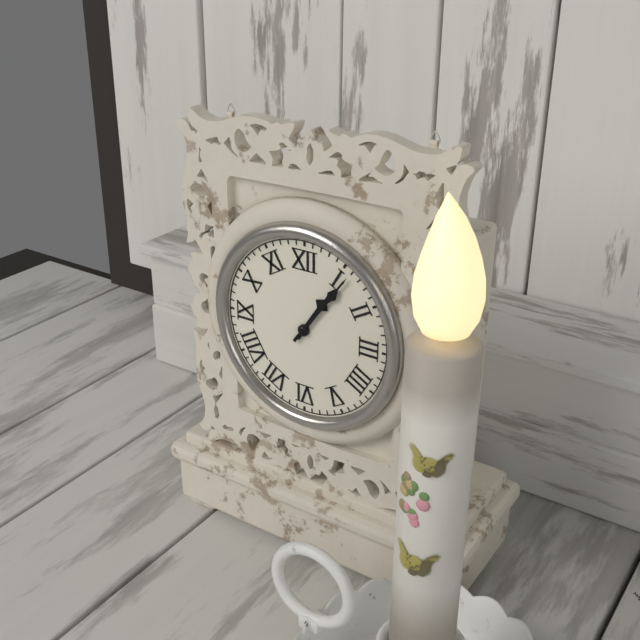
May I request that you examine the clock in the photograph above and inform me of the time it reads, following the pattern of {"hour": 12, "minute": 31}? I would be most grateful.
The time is {"hour": 1, "minute": 6}
